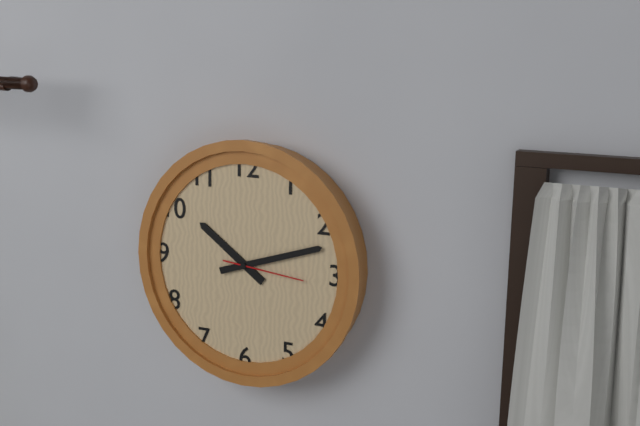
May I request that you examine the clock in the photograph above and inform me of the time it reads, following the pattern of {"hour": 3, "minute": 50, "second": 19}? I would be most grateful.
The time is {"hour": 10, "minute": 12, "second": 16}
